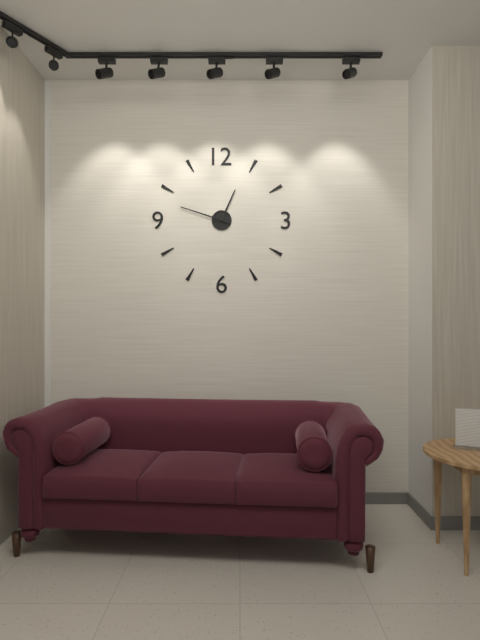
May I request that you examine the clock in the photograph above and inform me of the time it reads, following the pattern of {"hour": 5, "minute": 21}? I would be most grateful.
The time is {"hour": 12, "minute": 48}
